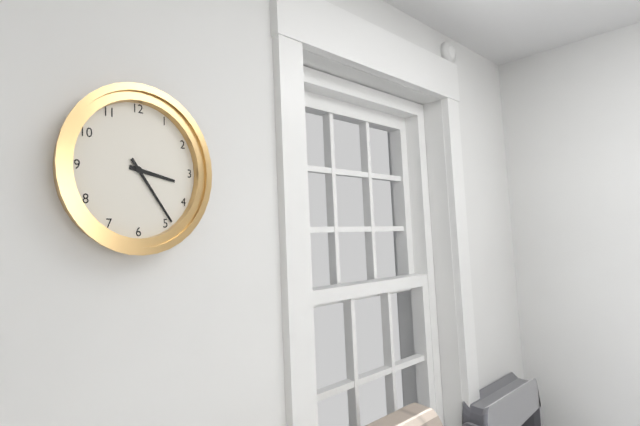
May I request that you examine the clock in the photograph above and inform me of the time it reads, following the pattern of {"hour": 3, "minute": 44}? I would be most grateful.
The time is {"hour": 3, "minute": 24}
